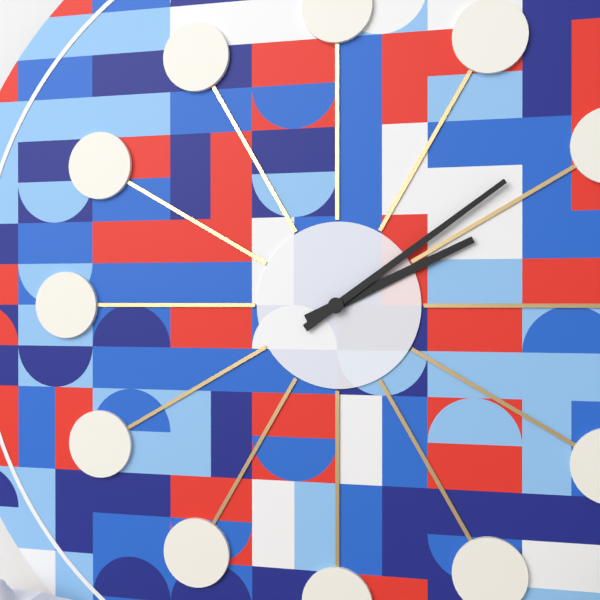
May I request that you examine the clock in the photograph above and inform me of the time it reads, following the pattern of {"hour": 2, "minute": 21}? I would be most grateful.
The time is {"hour": 2, "minute": 9}
